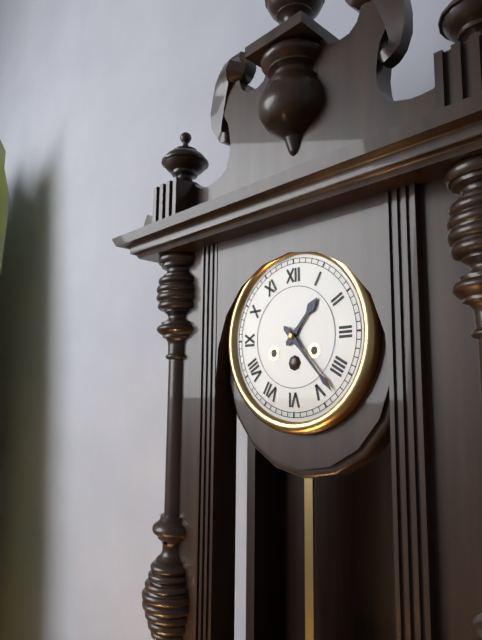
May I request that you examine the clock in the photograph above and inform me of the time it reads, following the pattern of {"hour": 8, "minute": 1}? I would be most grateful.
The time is {"hour": 1, "minute": 23}
